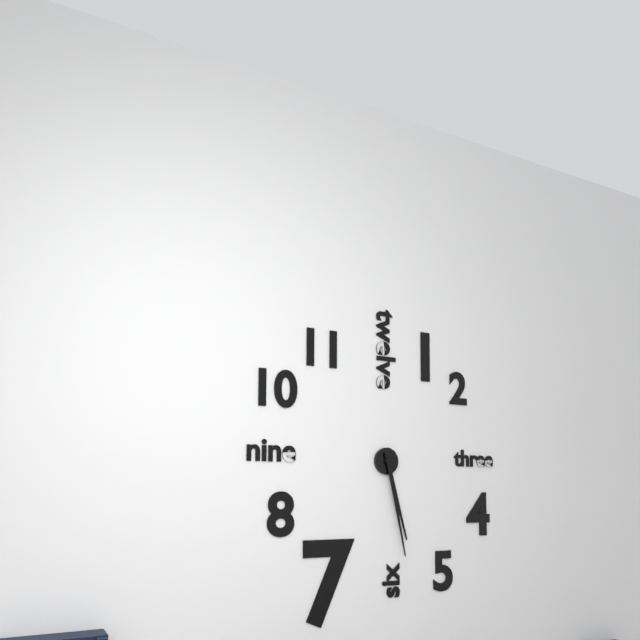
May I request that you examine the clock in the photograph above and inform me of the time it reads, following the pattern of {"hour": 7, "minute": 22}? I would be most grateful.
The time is {"hour": 5, "minute": 28}
